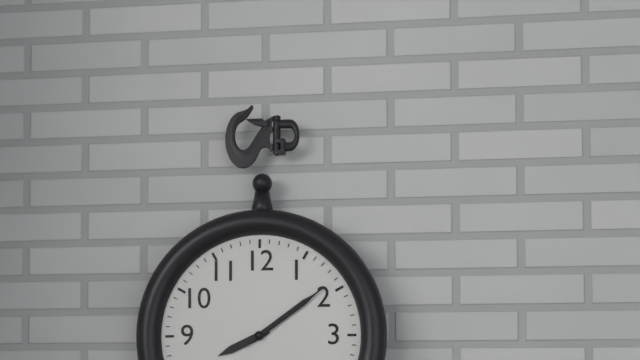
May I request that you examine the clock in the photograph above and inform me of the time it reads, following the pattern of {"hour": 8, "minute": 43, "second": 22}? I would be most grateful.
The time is {"hour": 8, "minute": 9, "second": 9}
